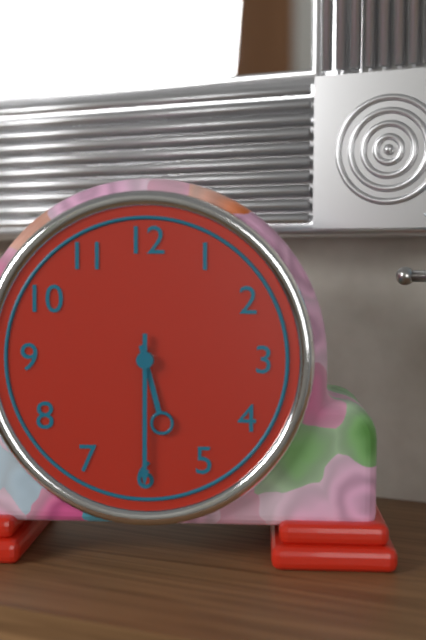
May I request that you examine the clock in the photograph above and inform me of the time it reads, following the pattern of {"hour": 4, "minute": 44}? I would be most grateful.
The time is {"hour": 5, "minute": 30}
